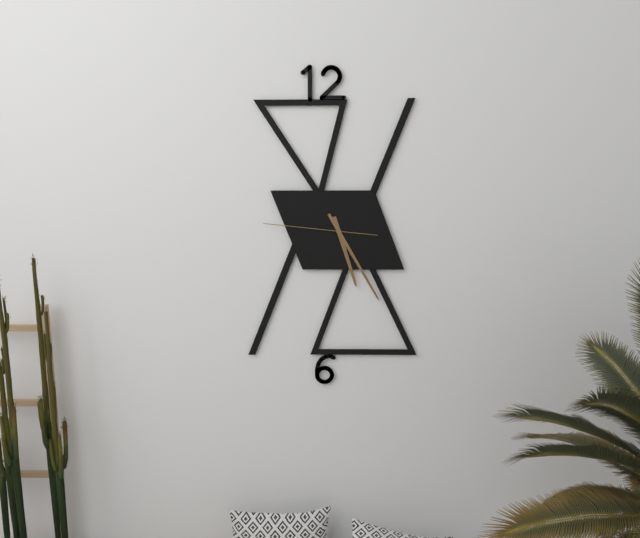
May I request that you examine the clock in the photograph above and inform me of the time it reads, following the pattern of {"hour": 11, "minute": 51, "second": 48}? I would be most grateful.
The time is {"hour": 5, "minute": 25, "second": 46}
